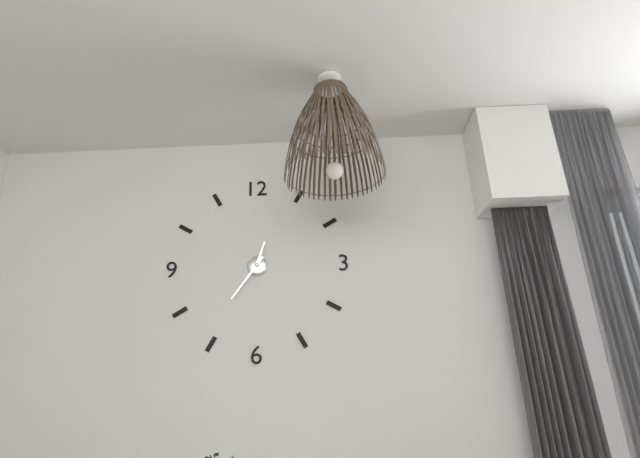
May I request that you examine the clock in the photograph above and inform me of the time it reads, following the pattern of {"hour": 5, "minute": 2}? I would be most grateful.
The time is {"hour": 12, "minute": 36}
